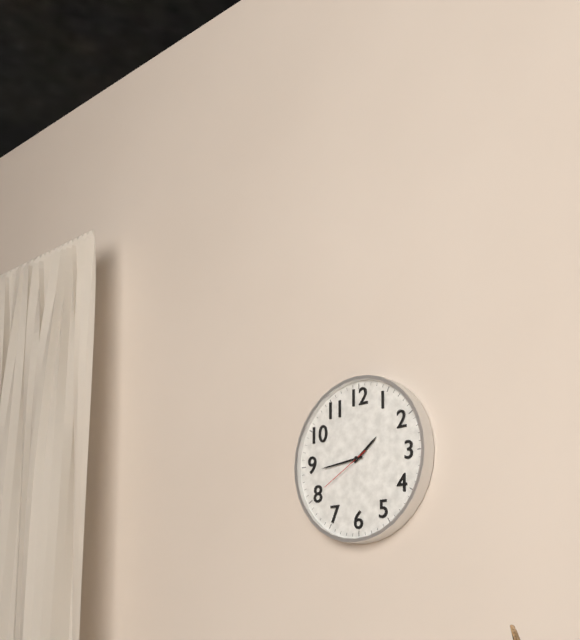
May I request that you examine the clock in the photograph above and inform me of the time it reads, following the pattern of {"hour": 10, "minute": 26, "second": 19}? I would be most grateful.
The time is {"hour": 1, "minute": 44, "second": 40}
